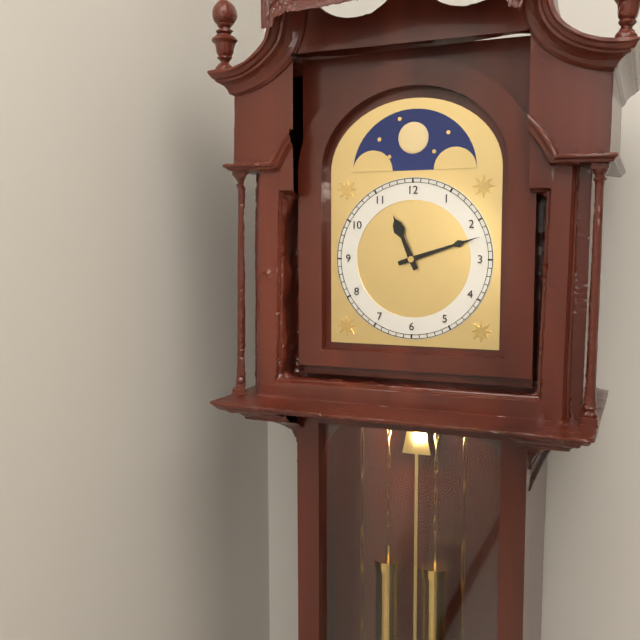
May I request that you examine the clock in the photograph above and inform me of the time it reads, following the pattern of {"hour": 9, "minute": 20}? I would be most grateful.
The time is {"hour": 11, "minute": 12}
